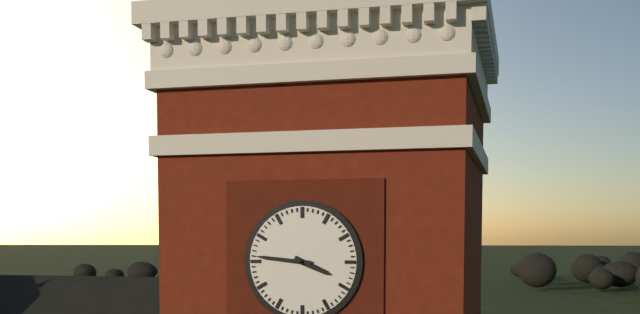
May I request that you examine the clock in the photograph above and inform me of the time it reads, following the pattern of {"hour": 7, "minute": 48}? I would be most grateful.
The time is {"hour": 3, "minute": 46}
